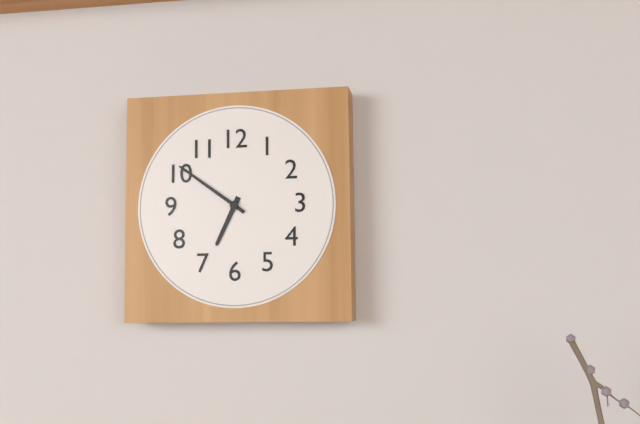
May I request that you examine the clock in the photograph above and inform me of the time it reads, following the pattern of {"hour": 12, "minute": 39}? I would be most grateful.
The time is {"hour": 6, "minute": 51}
